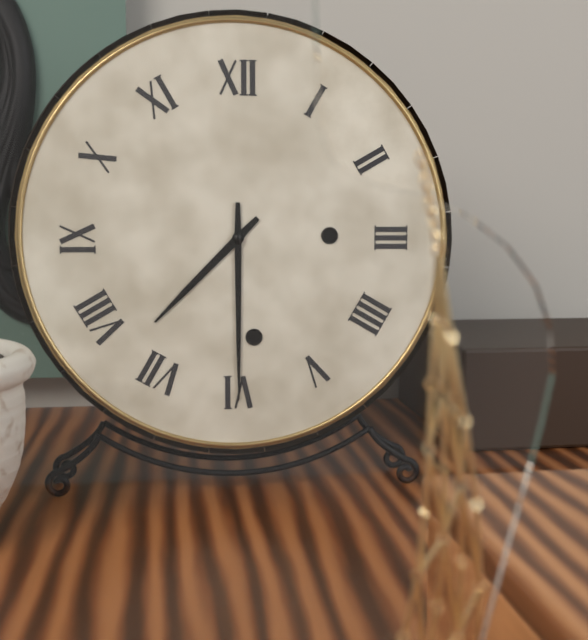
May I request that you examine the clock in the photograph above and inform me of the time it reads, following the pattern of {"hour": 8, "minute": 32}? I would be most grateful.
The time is {"hour": 7, "minute": 30}
